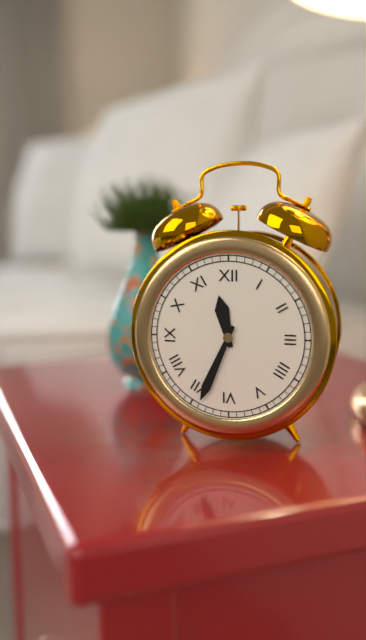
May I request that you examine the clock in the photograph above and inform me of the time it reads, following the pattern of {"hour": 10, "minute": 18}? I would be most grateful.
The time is {"hour": 11, "minute": 34}
